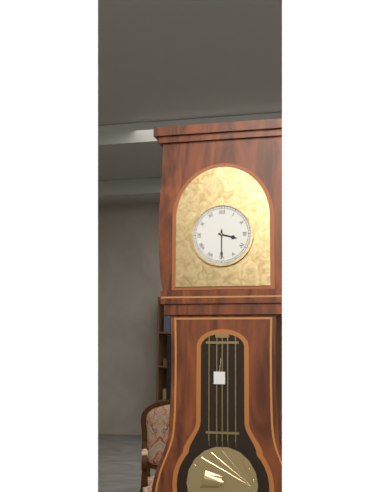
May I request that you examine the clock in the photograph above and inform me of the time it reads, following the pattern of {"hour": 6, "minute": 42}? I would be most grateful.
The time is {"hour": 3, "minute": 30}
